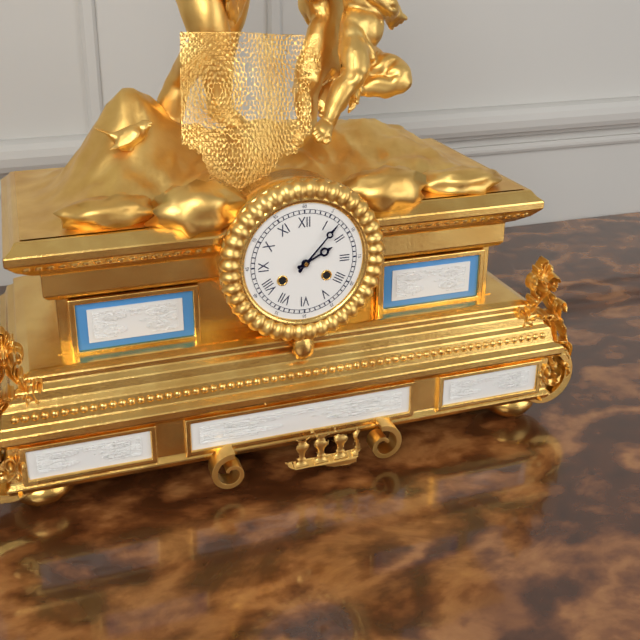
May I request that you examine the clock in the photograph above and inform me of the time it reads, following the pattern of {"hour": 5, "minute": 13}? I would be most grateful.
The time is {"hour": 2, "minute": 7}
